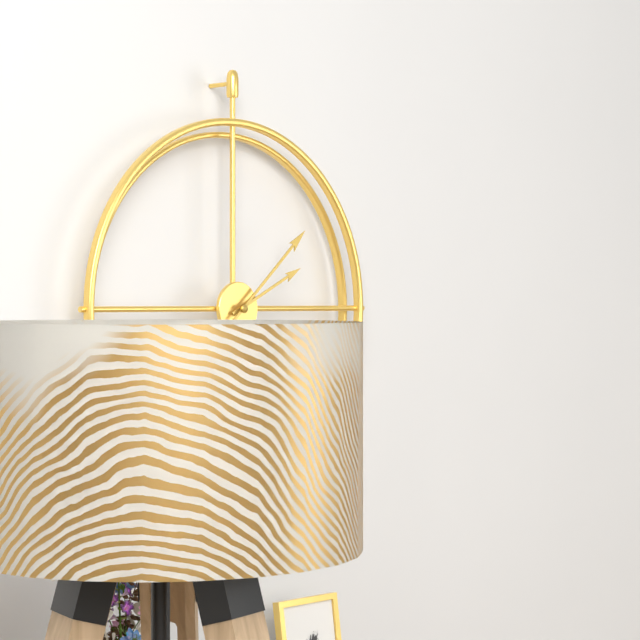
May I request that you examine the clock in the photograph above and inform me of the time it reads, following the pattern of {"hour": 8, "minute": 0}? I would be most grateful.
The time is {"hour": 2, "minute": 8}
